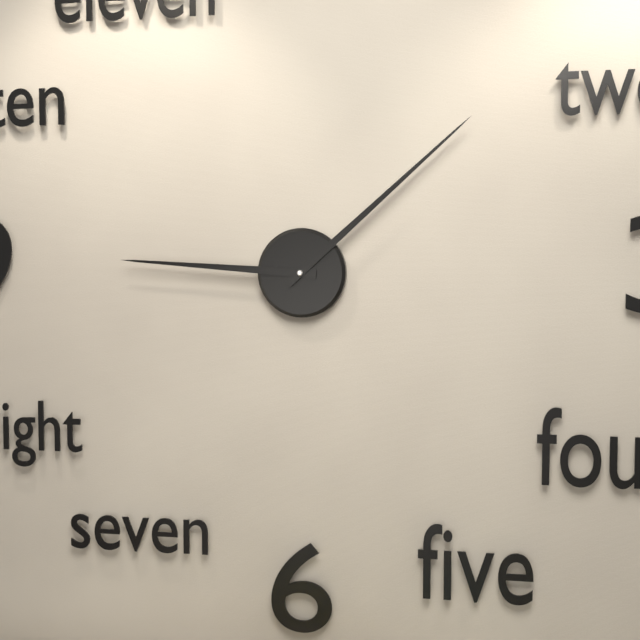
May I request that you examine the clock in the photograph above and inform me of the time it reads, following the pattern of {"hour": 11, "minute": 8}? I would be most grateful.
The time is {"hour": 9, "minute": 8}
